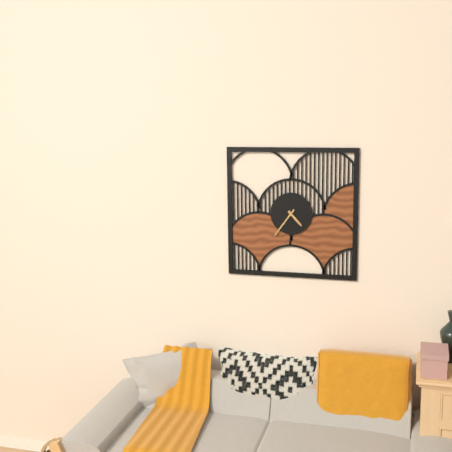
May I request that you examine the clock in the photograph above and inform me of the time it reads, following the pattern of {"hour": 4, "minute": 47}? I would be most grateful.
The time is {"hour": 4, "minute": 36}
